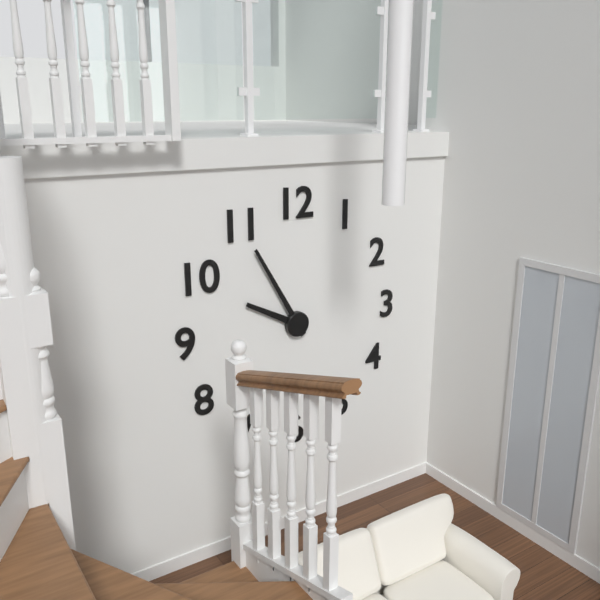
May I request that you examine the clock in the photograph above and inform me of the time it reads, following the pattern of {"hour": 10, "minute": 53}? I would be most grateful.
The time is {"hour": 9, "minute": 55}
